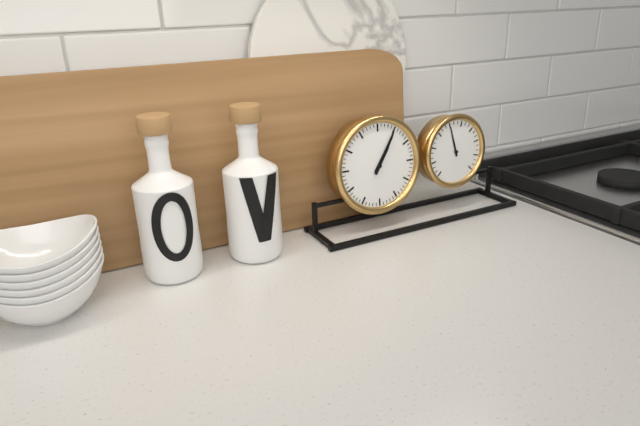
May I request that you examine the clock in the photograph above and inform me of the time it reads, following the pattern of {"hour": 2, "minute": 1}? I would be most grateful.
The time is {"hour": 1, "minute": 5}
